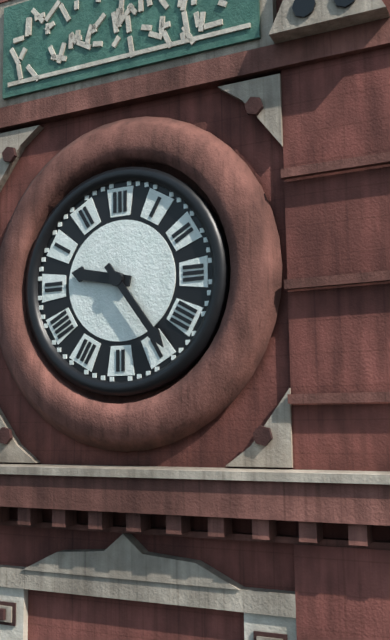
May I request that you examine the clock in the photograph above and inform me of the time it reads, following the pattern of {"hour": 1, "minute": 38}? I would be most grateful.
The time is {"hour": 9, "minute": 24}
